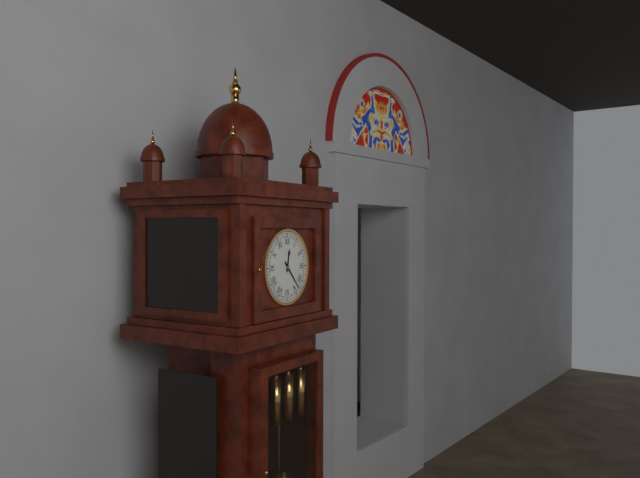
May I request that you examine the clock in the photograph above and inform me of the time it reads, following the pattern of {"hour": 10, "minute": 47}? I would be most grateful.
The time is {"hour": 12, "minute": 23}
